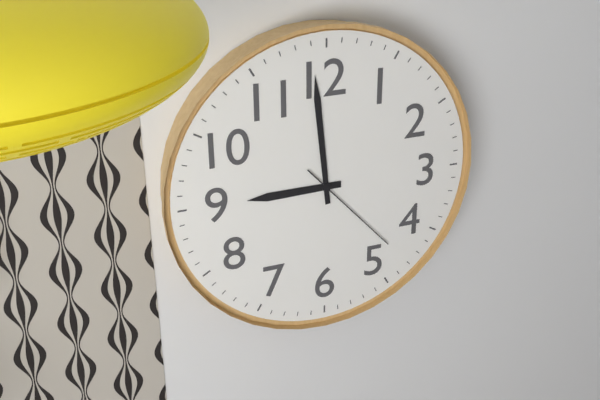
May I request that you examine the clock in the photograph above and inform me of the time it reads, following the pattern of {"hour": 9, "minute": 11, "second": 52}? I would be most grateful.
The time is {"hour": 8, "minute": 59, "second": 23}
